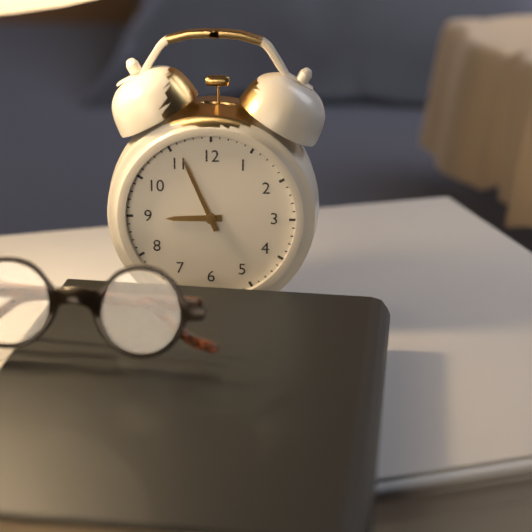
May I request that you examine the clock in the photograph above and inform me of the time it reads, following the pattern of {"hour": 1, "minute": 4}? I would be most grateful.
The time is {"hour": 8, "minute": 56}
